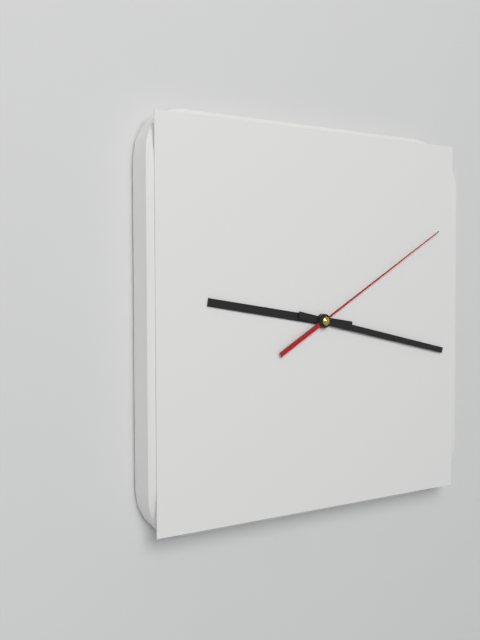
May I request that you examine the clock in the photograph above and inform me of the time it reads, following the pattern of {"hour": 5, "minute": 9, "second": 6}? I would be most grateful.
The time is {"hour": 9, "minute": 17, "second": 10}
